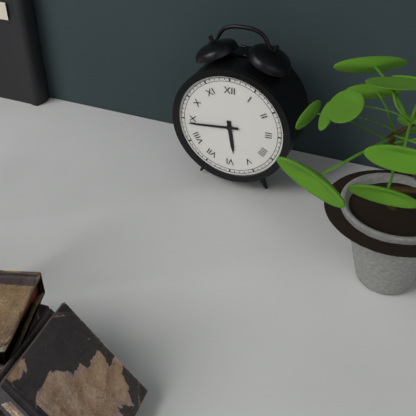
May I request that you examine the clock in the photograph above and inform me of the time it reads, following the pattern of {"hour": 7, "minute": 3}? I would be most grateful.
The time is {"hour": 5, "minute": 44}
